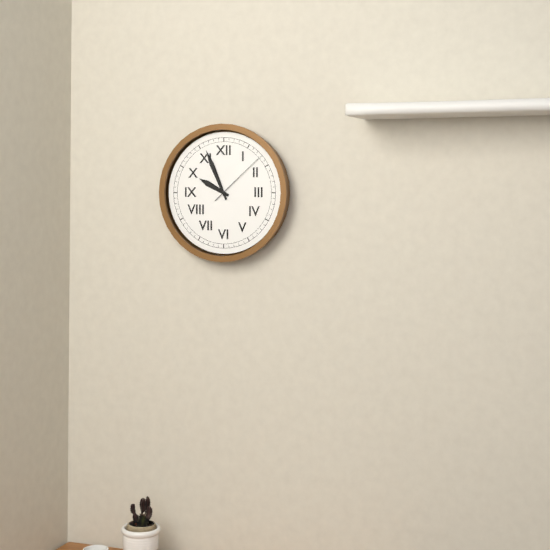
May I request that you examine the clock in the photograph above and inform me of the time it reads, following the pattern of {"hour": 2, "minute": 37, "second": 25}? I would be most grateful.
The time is {"hour": 9, "minute": 56, "second": 8}
